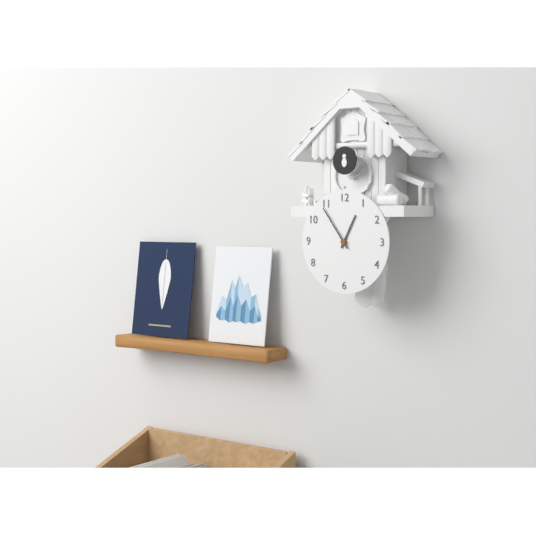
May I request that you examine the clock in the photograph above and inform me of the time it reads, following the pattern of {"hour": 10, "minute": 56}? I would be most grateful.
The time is {"hour": 12, "minute": 54}
